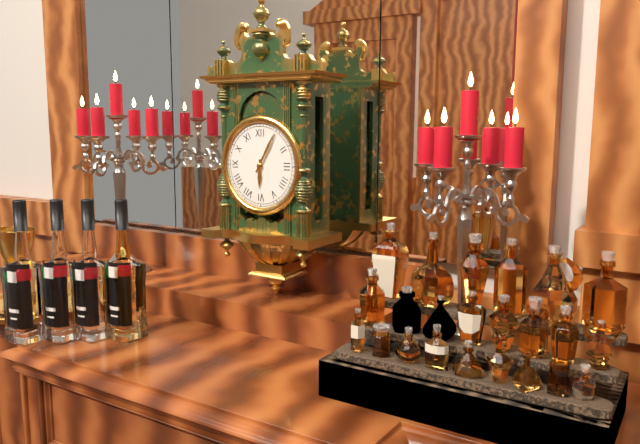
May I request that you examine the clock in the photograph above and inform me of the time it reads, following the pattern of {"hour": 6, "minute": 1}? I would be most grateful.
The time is {"hour": 6, "minute": 5}
